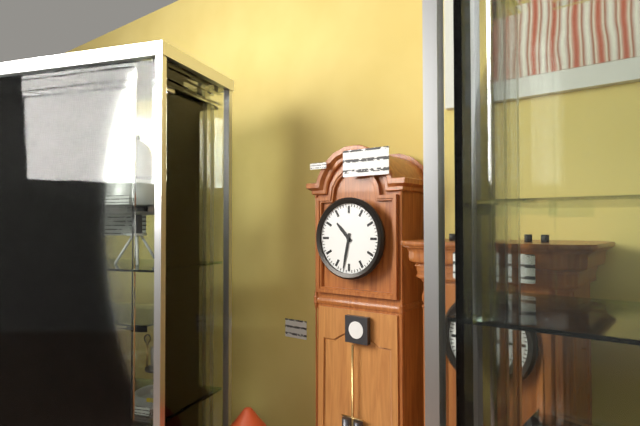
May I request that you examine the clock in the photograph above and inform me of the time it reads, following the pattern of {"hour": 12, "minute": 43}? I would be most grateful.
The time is {"hour": 10, "minute": 32}
